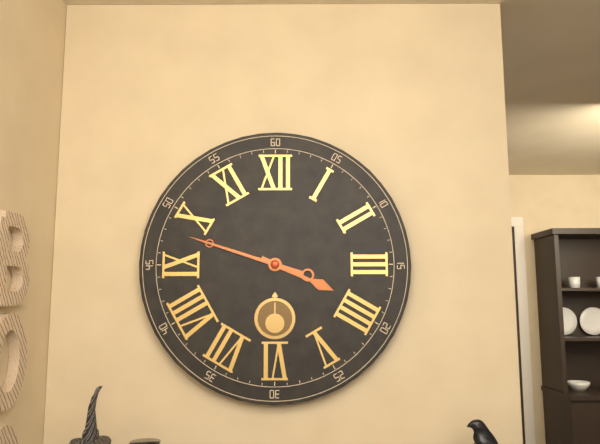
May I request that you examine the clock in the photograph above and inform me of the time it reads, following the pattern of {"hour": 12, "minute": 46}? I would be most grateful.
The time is {"hour": 3, "minute": 48}
